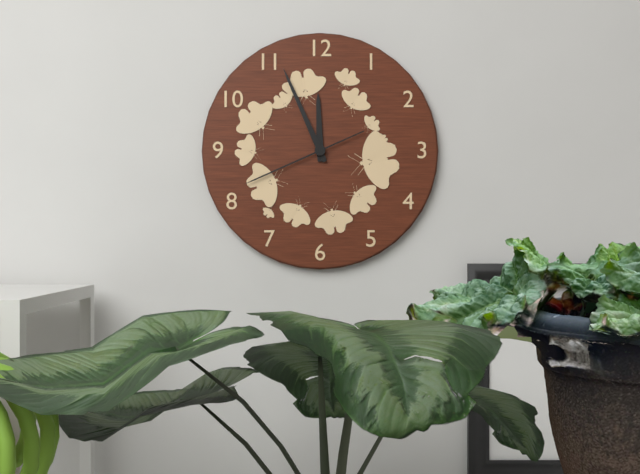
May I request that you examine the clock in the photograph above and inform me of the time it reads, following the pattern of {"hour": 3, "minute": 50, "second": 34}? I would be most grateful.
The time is {"hour": 11, "minute": 56, "second": 41}
